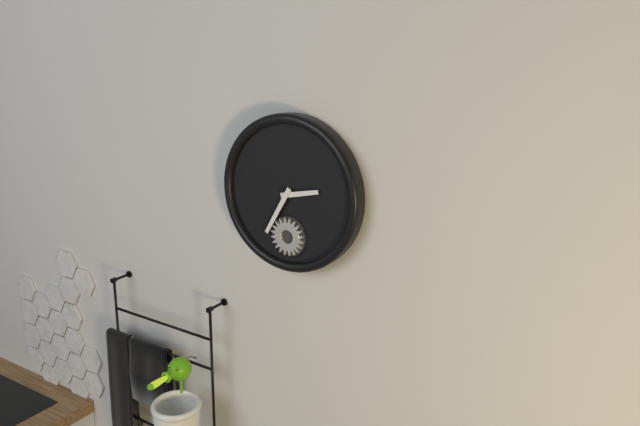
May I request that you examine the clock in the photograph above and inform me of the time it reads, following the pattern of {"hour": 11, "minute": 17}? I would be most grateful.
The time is {"hour": 2, "minute": 35}
